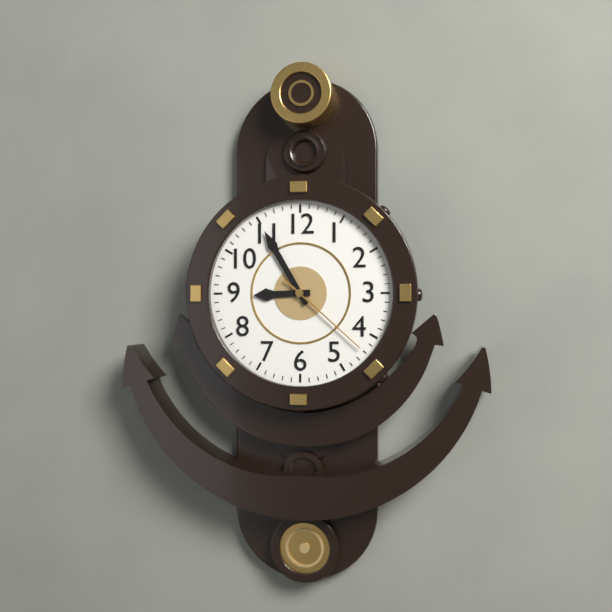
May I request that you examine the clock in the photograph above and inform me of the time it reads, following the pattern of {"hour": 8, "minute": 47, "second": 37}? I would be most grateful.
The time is {"hour": 8, "minute": 55, "second": 22}
